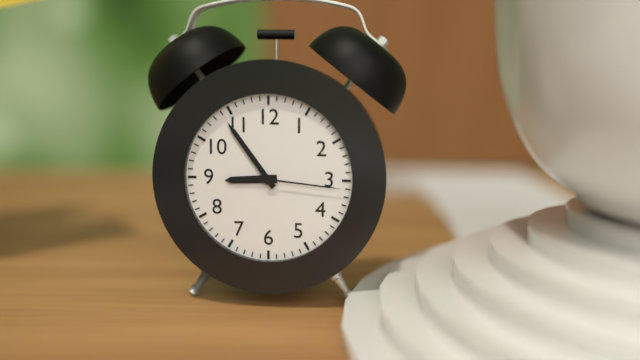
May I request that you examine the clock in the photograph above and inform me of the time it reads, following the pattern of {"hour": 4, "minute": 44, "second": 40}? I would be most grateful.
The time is {"hour": 8, "minute": 54, "second": 16}
